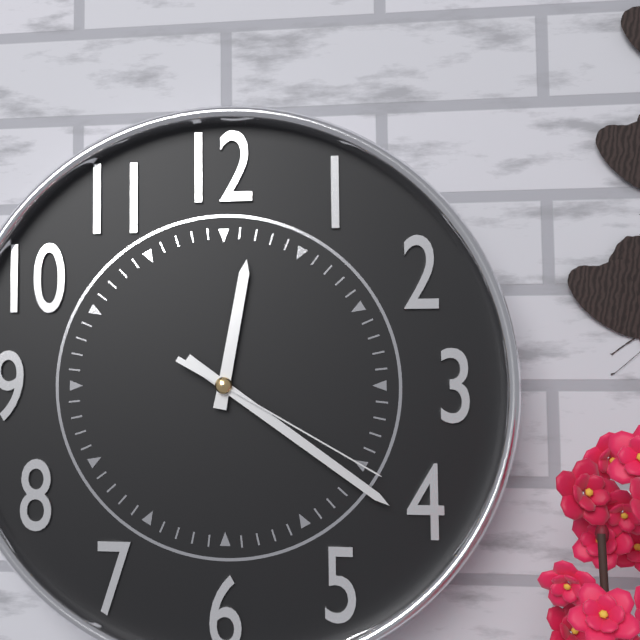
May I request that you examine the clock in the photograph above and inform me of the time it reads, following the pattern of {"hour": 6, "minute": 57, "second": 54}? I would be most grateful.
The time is {"hour": 12, "minute": 21, "second": 20}
